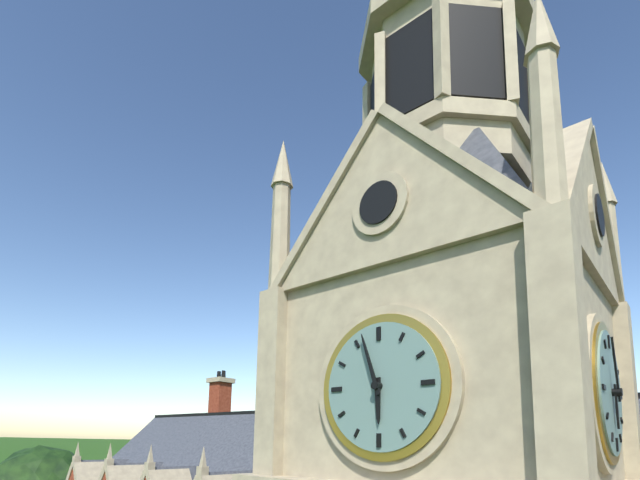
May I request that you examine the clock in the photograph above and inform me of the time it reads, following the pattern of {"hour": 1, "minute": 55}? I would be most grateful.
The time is {"hour": 5, "minute": 57}
